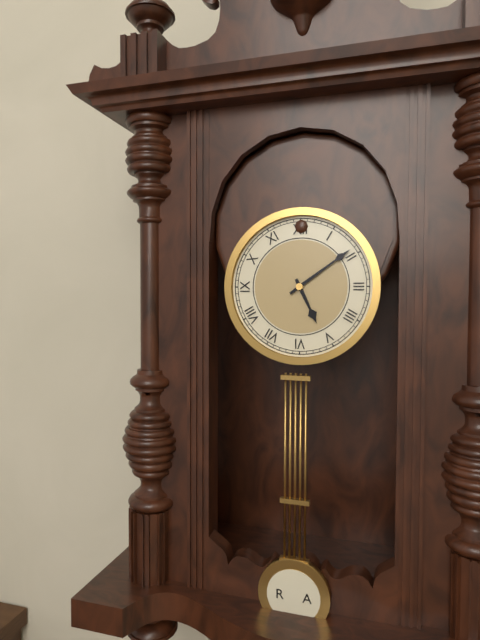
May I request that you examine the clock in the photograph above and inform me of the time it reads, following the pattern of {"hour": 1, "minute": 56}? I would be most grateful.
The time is {"hour": 5, "minute": 9}
